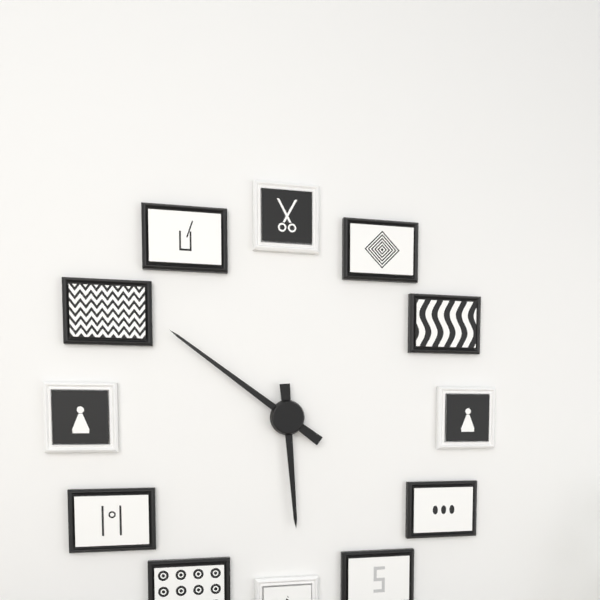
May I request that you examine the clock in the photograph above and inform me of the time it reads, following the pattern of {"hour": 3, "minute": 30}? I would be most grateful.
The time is {"hour": 5, "minute": 51}
